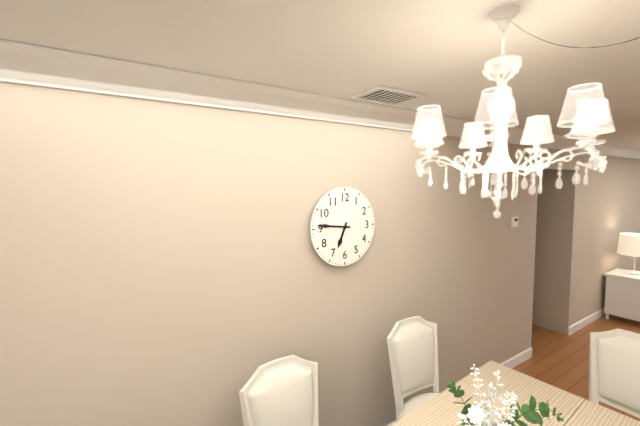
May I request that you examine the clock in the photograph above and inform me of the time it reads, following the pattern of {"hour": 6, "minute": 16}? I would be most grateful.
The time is {"hour": 6, "minute": 46}
